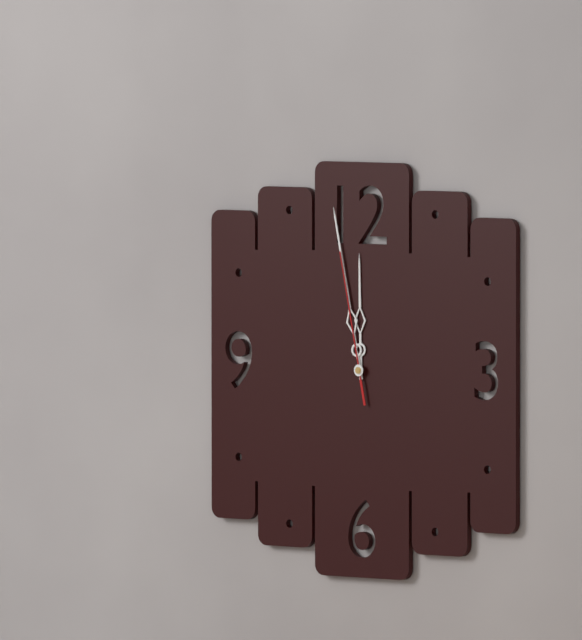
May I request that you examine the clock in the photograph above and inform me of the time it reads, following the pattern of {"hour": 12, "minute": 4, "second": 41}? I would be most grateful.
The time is {"hour": 11, "minute": 58, "second": 58}
